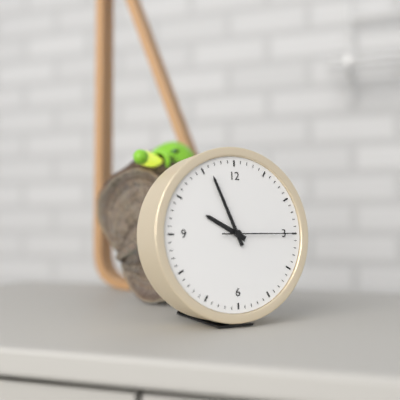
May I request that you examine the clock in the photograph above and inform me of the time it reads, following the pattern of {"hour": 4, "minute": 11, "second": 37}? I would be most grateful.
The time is {"hour": 9, "minute": 56, "second": 15}
